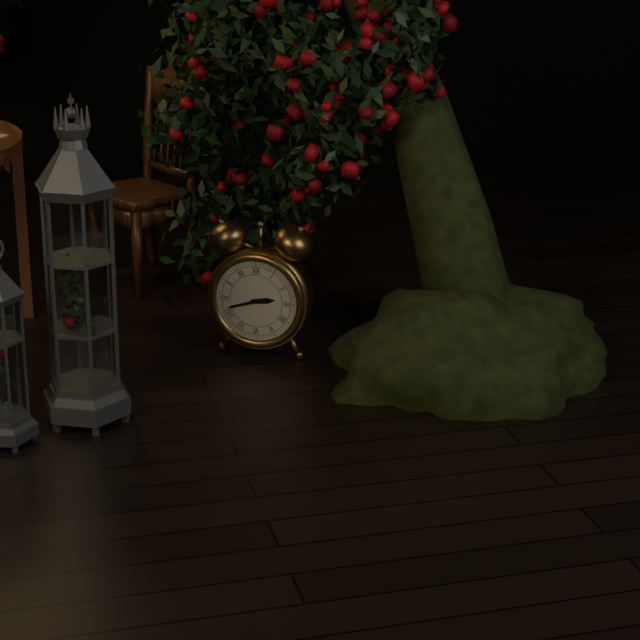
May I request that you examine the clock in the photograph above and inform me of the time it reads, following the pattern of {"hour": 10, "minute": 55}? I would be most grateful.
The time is {"hour": 2, "minute": 42}
